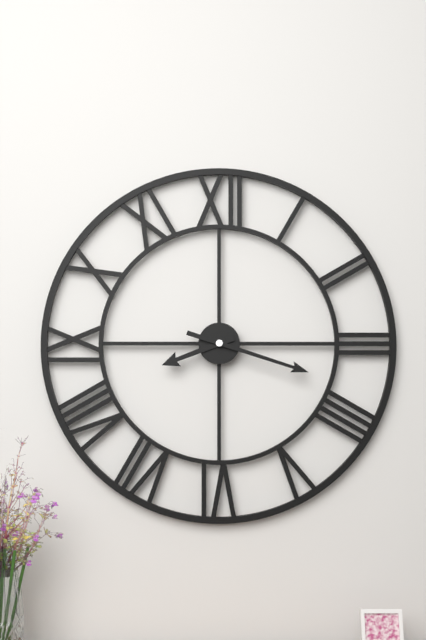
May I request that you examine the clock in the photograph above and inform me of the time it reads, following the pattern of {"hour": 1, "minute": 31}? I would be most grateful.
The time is {"hour": 8, "minute": 18}
